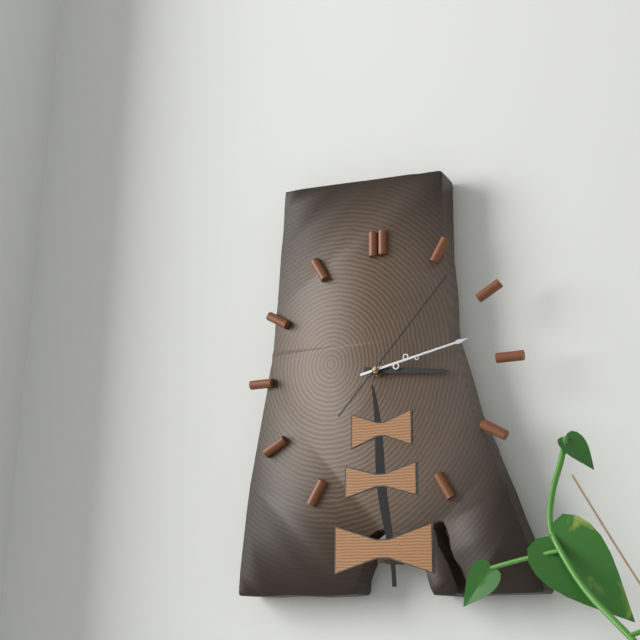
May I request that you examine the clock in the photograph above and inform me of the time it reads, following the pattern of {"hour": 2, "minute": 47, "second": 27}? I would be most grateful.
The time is {"hour": 3, "minute": 13, "second": 7}
